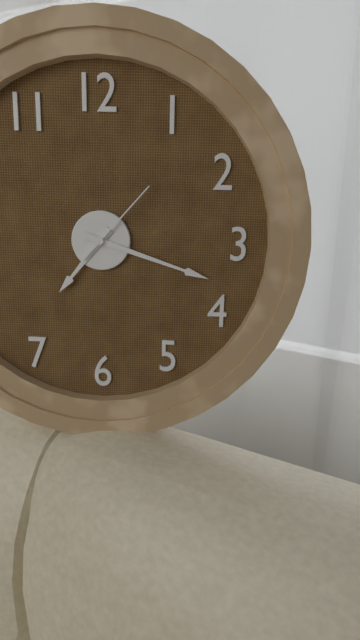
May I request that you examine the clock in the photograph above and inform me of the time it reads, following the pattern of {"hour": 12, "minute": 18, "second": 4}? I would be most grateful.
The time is {"hour": 7, "minute": 18, "second": 7}
